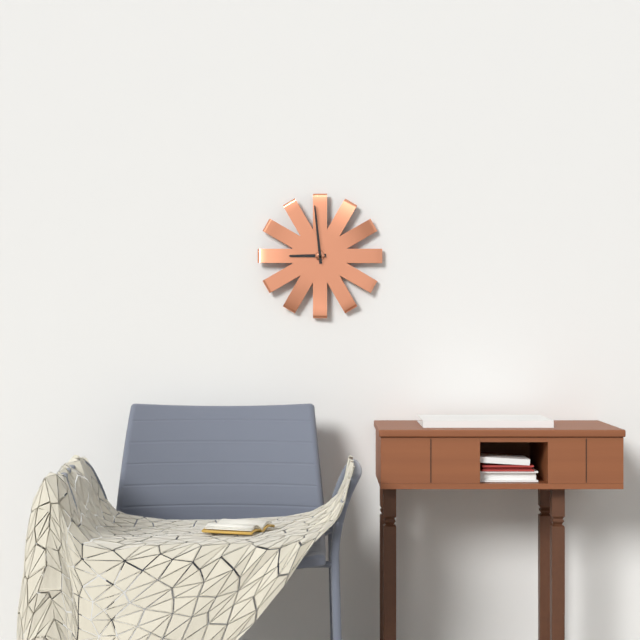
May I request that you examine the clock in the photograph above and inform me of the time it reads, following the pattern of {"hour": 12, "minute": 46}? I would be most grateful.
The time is {"hour": 8, "minute": 59}
